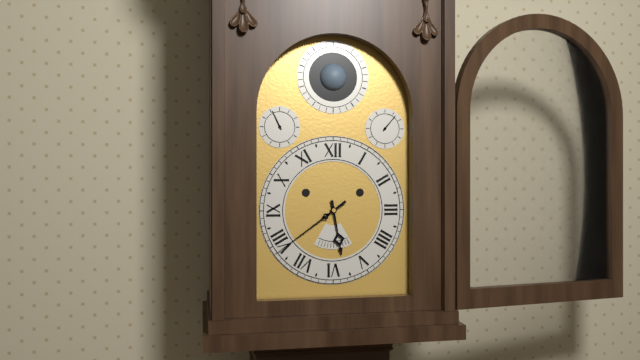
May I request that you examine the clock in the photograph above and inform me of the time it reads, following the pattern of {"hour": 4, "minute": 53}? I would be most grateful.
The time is {"hour": 5, "minute": 39}
